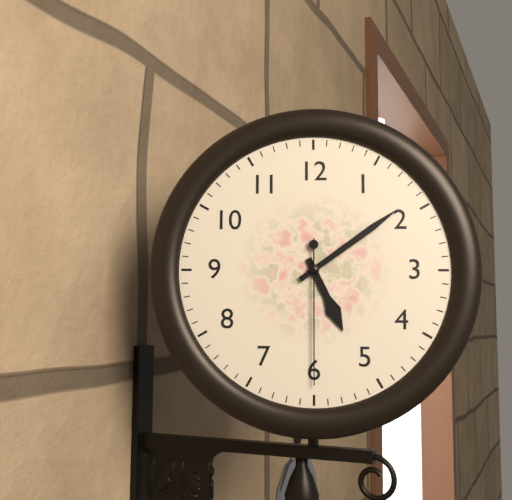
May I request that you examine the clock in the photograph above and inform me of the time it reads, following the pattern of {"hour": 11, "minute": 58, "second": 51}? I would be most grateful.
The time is {"hour": 5, "minute": 9, "second": 30}
